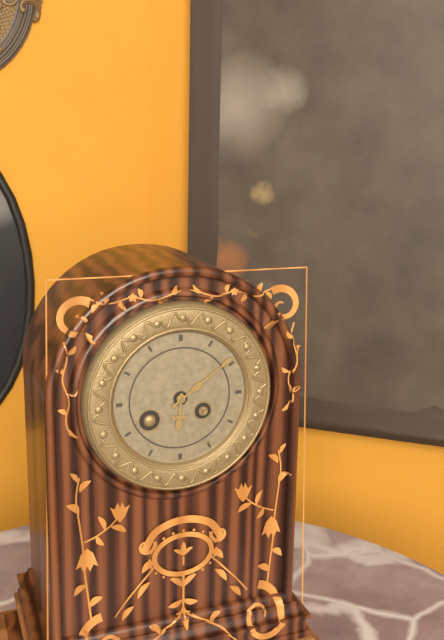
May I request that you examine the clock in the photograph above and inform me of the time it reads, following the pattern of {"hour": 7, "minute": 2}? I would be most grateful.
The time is {"hour": 6, "minute": 9}
